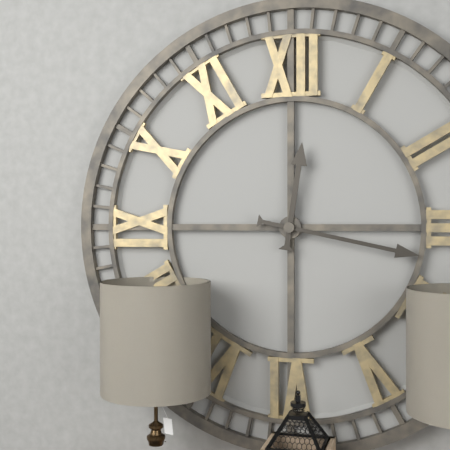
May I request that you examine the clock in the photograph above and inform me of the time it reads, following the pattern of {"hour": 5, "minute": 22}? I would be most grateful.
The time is {"hour": 12, "minute": 17}
